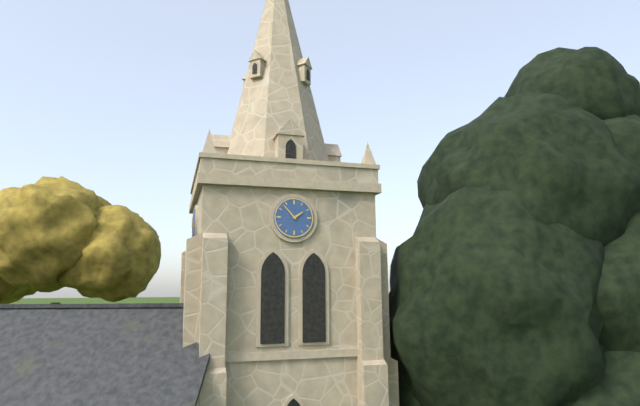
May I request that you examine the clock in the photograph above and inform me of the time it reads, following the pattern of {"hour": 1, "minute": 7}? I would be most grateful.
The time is {"hour": 1, "minute": 53}
